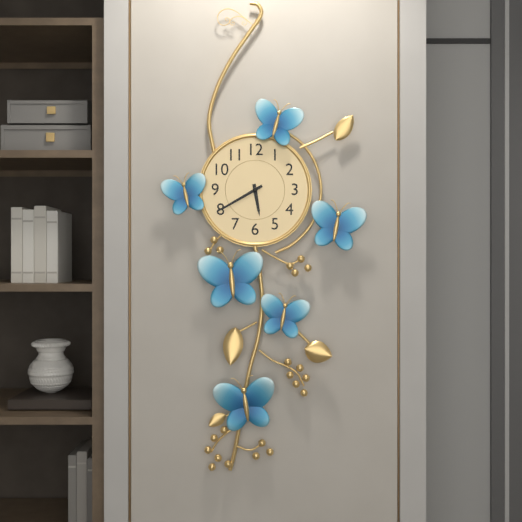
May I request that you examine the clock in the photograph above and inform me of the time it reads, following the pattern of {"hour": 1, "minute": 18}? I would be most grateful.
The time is {"hour": 5, "minute": 40}
